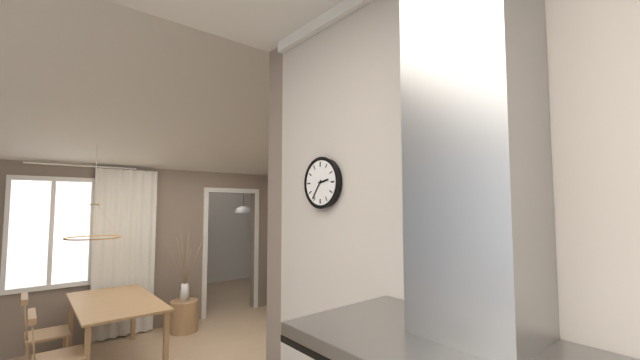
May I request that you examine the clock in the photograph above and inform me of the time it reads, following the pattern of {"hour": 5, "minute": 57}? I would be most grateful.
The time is {"hour": 2, "minute": 36}
